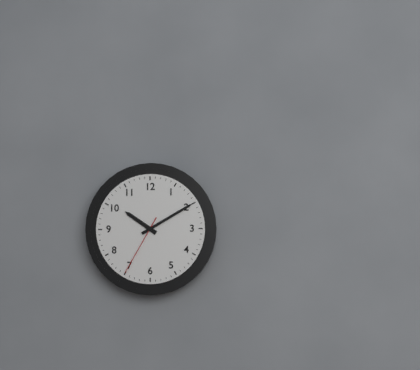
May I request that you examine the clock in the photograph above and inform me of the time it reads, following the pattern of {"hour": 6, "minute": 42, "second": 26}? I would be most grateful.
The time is {"hour": 10, "minute": 10, "second": 35}
